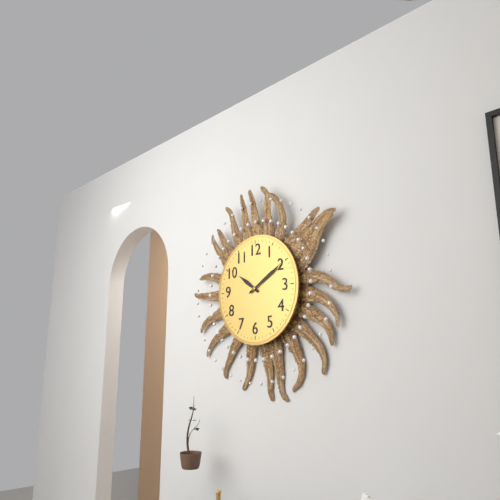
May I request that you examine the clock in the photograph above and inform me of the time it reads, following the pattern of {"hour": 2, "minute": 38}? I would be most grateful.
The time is {"hour": 10, "minute": 10}
